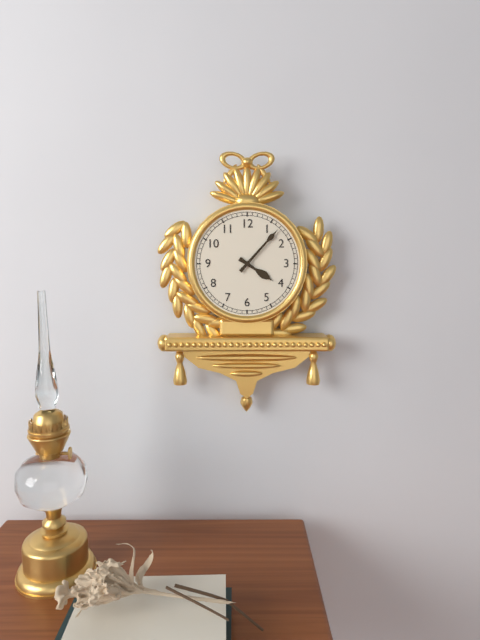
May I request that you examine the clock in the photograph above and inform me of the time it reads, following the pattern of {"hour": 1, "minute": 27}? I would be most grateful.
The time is {"hour": 4, "minute": 7}
